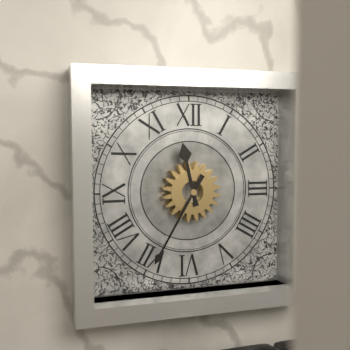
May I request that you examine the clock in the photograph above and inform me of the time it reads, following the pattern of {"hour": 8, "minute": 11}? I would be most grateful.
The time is {"hour": 11, "minute": 35}
